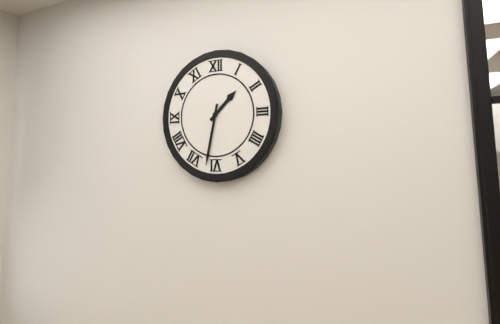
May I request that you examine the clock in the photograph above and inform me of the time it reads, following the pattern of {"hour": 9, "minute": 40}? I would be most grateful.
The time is {"hour": 1, "minute": 32}
